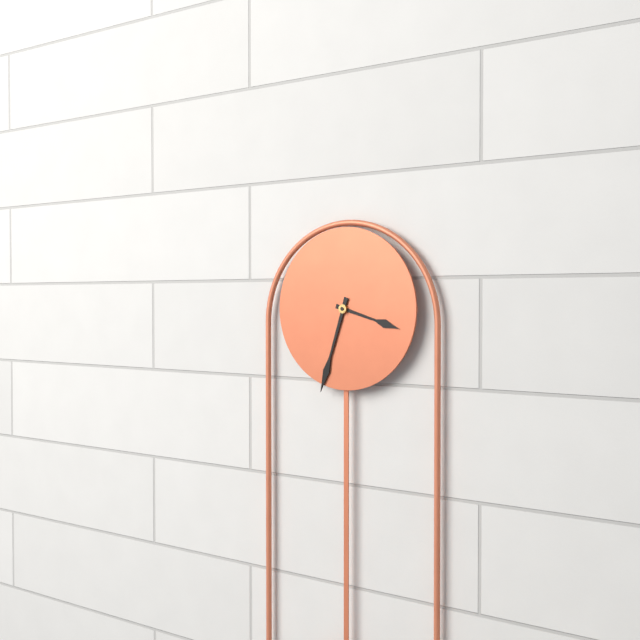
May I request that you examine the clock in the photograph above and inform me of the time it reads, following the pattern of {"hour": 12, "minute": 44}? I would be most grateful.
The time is {"hour": 3, "minute": 33}
